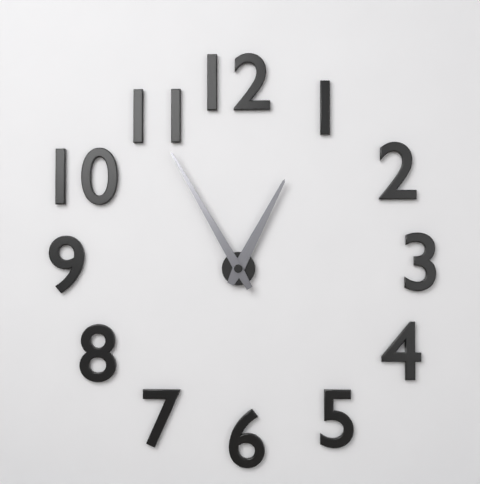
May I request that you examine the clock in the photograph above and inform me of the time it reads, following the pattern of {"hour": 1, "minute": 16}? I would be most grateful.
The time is {"hour": 12, "minute": 55}
